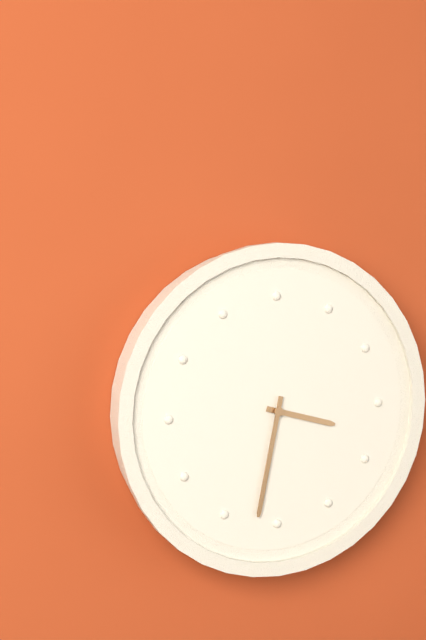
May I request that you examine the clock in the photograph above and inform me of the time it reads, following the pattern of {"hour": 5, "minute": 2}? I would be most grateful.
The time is {"hour": 3, "minute": 32}
